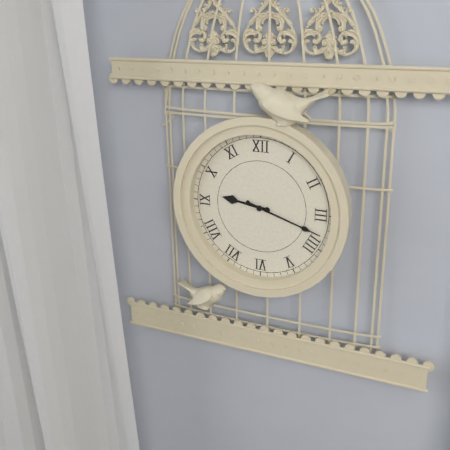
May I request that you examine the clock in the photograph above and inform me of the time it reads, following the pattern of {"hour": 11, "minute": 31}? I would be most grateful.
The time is {"hour": 9, "minute": 18}
